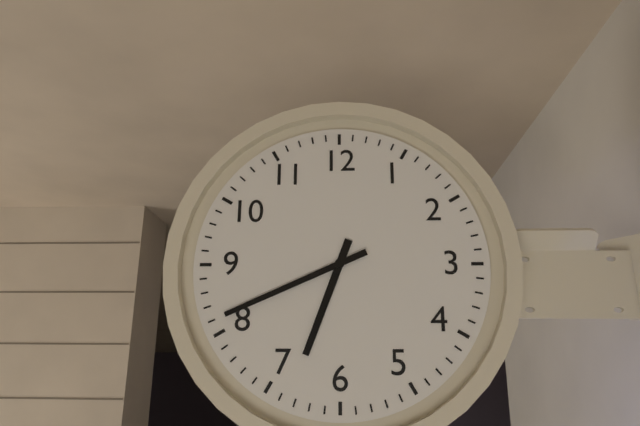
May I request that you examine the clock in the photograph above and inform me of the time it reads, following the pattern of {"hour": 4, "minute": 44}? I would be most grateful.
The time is {"hour": 6, "minute": 41}
